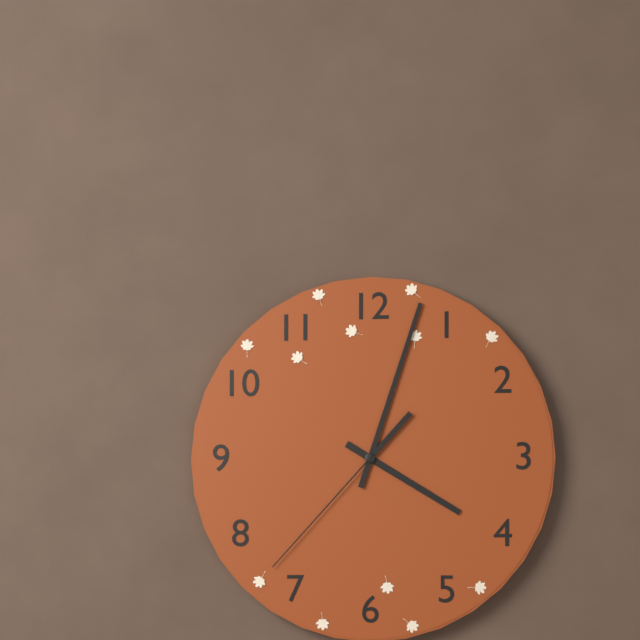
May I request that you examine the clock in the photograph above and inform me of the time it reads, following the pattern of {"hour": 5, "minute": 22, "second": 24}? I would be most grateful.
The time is {"hour": 4, "minute": 3, "second": 37}
